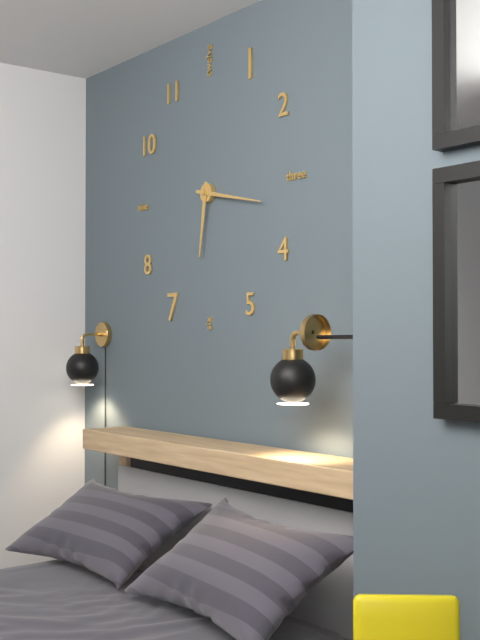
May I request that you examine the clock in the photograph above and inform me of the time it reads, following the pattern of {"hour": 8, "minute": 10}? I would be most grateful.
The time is {"hour": 6, "minute": 17}
